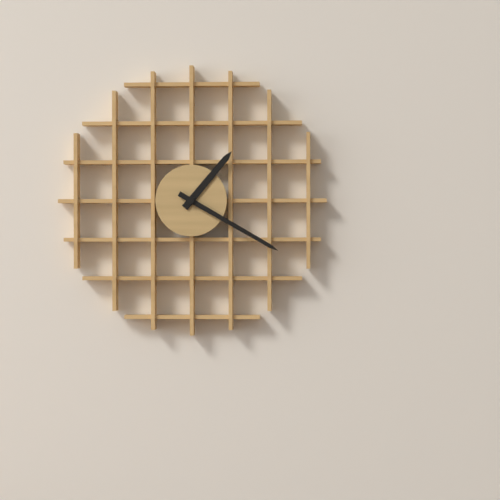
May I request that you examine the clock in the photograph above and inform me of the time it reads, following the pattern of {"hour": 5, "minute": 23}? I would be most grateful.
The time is {"hour": 1, "minute": 20}
